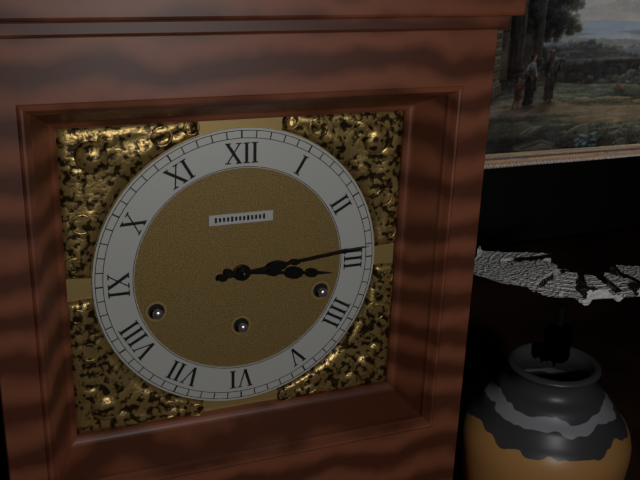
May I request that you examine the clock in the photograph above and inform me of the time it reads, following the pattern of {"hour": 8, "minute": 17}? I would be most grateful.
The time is {"hour": 3, "minute": 14}
